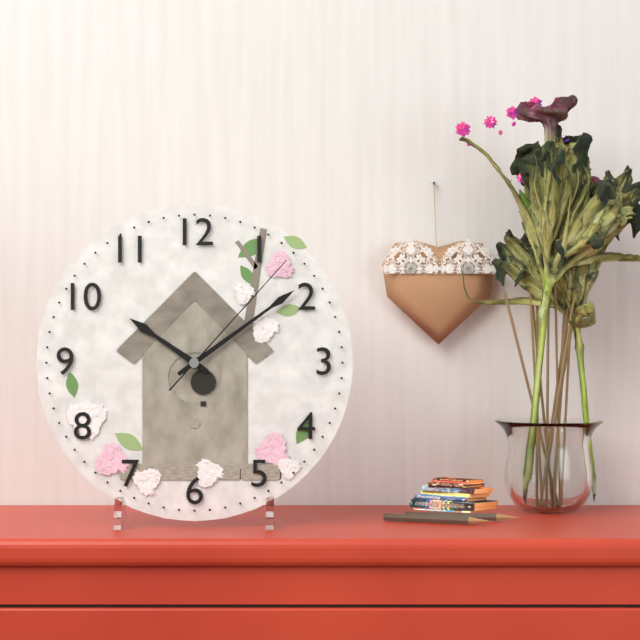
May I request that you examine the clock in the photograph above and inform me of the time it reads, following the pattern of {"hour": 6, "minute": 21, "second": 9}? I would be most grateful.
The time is {"hour": 10, "minute": 9, "second": 7}
